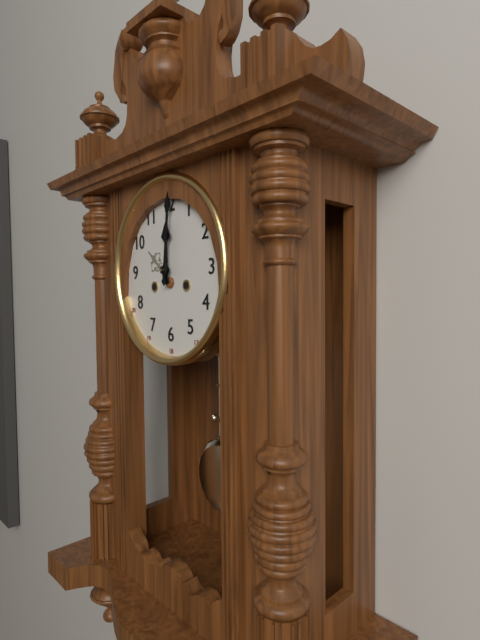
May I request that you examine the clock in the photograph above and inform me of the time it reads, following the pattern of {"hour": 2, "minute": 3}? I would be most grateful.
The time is {"hour": 12, "minute": 1}
